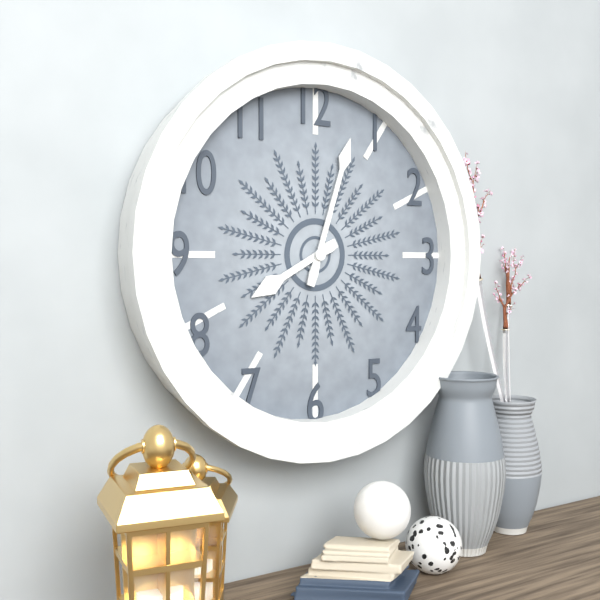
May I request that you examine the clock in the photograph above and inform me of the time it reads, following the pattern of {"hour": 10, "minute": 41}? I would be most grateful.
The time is {"hour": 8, "minute": 3}
